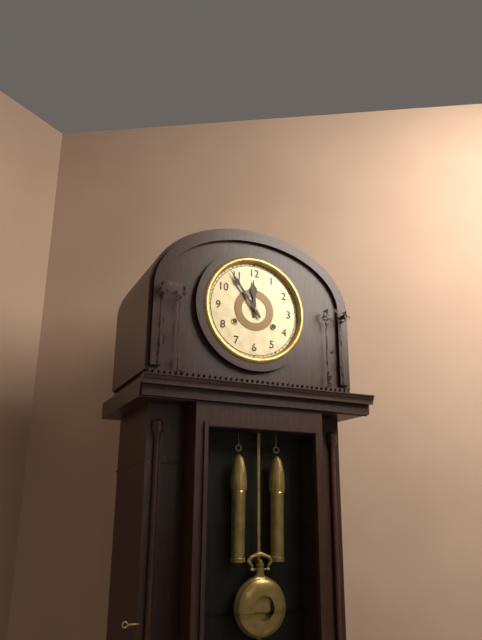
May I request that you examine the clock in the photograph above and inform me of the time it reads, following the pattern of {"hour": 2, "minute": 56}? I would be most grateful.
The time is {"hour": 11, "minute": 54}
